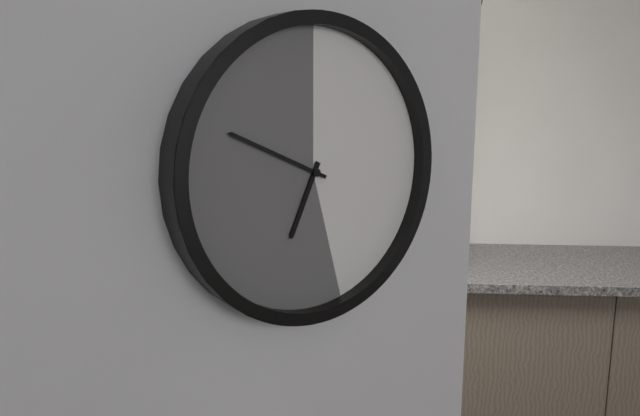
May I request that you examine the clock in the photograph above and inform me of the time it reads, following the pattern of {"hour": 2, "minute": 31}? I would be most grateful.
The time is {"hour": 6, "minute": 49}
